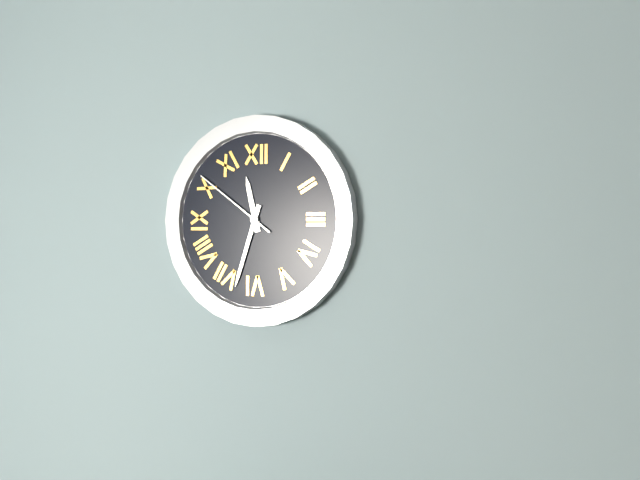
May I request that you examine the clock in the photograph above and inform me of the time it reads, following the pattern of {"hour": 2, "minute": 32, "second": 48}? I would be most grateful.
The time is {"hour": 11, "minute": 33, "second": 51}
